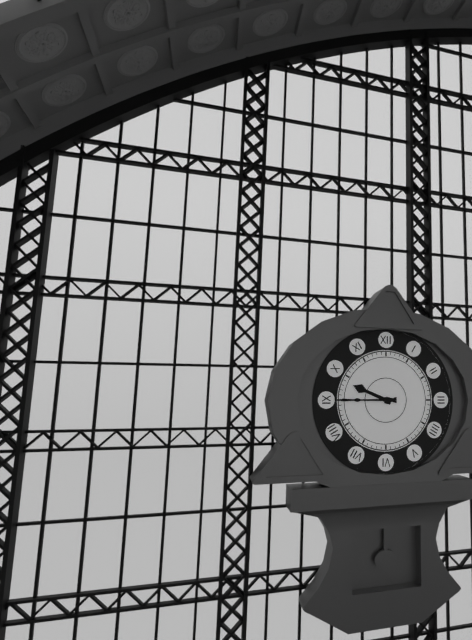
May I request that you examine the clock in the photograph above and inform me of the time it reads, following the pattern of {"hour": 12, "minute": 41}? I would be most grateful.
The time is {"hour": 9, "minute": 45}
